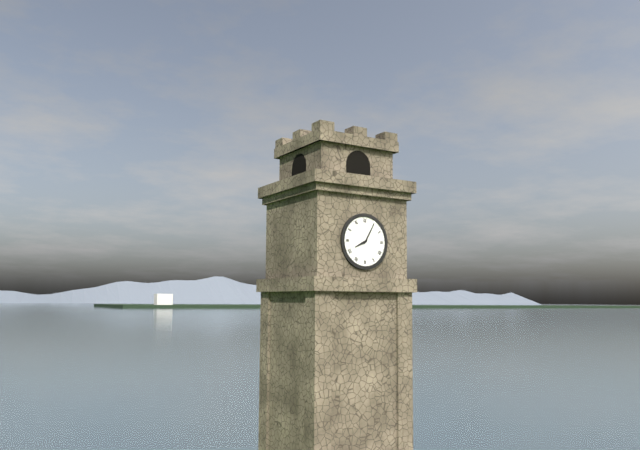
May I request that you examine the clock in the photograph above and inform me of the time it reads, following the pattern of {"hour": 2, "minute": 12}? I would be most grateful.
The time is {"hour": 8, "minute": 5}
